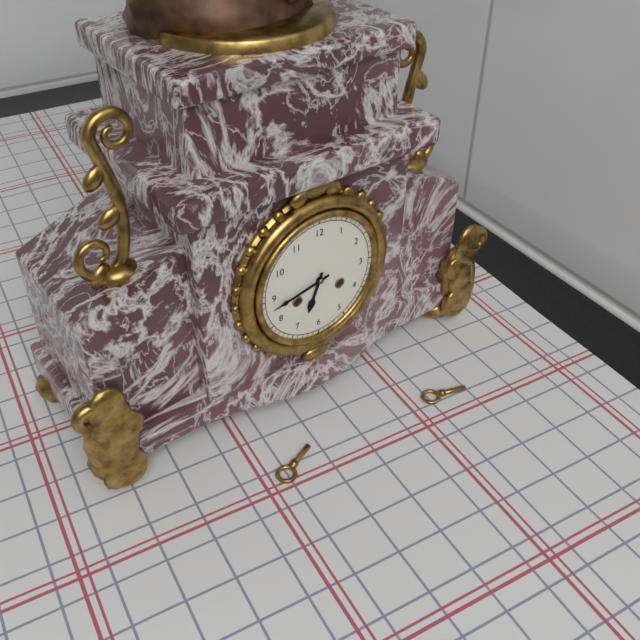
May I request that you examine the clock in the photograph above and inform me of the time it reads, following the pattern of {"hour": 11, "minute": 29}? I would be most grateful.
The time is {"hour": 6, "minute": 43}
